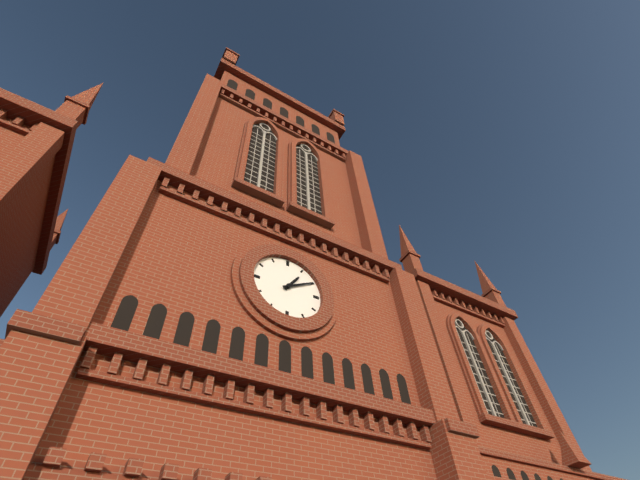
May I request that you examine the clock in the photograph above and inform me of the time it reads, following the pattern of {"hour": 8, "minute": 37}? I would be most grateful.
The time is {"hour": 1, "minute": 10}
